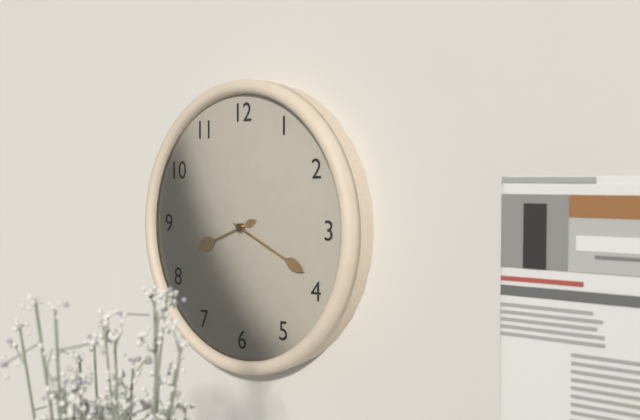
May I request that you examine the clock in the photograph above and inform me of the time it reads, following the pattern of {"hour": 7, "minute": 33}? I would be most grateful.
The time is {"hour": 8, "minute": 19}
